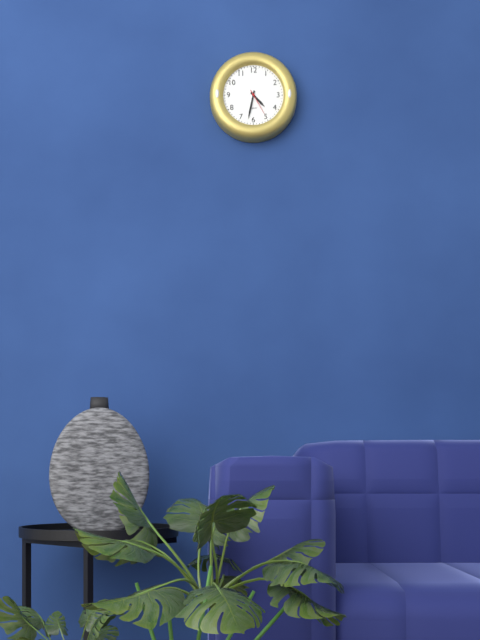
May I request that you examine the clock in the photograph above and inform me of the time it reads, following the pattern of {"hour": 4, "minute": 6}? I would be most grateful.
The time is {"hour": 4, "minute": 32}
